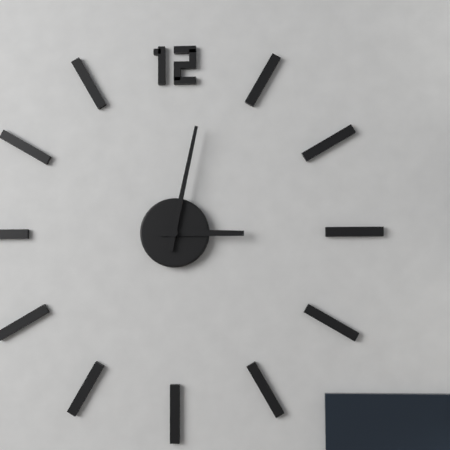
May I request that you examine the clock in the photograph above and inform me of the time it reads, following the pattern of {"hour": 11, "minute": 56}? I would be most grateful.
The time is {"hour": 3, "minute": 2}
